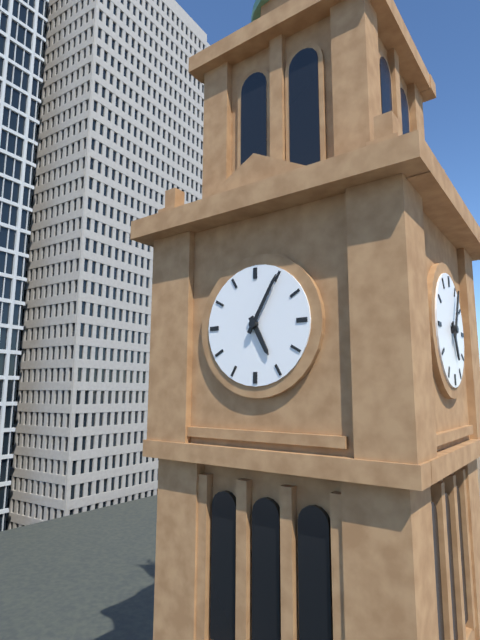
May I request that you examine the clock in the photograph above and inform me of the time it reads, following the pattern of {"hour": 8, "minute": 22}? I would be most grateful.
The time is {"hour": 5, "minute": 5}
